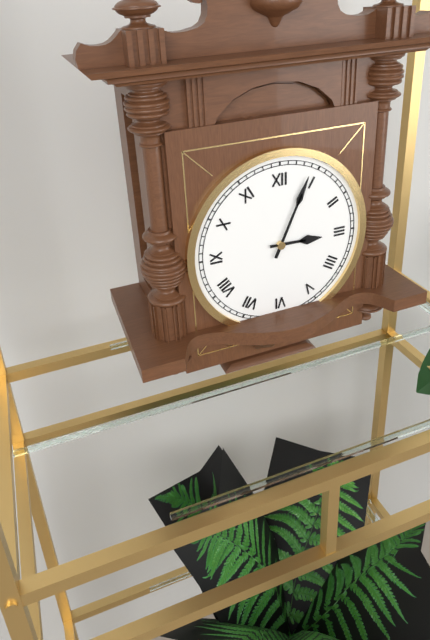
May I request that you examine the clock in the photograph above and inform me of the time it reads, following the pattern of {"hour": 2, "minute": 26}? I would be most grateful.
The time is {"hour": 3, "minute": 4}
